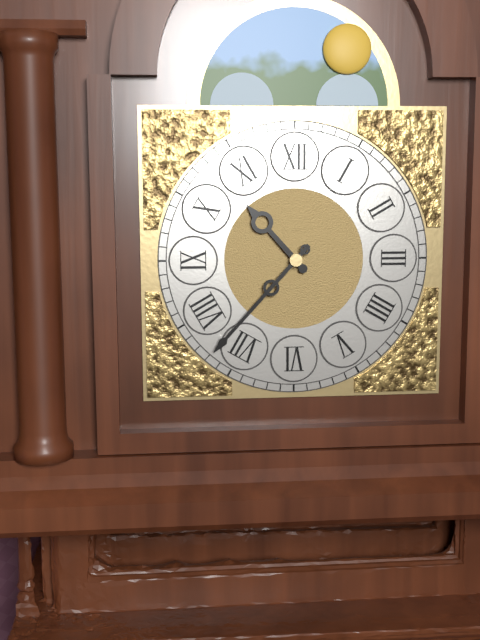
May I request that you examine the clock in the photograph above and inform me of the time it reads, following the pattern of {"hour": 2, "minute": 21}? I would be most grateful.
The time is {"hour": 10, "minute": 37}
